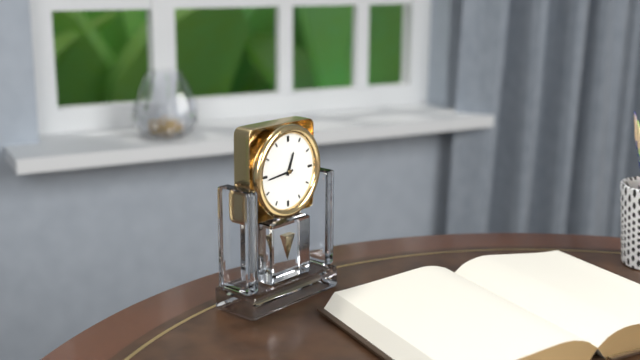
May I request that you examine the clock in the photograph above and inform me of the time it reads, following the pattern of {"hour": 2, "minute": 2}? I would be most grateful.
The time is {"hour": 12, "minute": 44}
